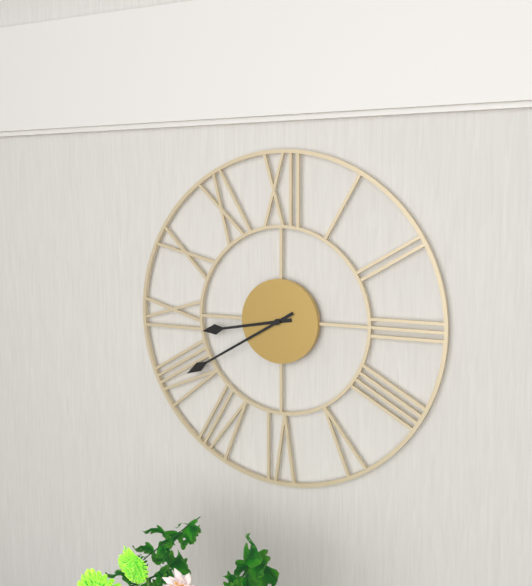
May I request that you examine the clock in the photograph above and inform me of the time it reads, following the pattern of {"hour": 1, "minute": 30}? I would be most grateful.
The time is {"hour": 8, "minute": 40}
